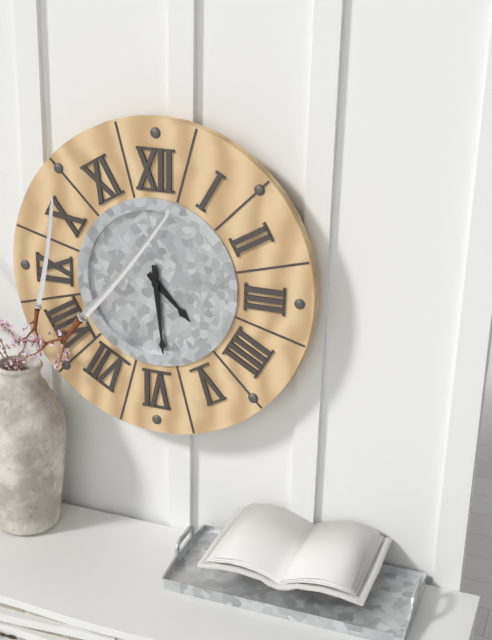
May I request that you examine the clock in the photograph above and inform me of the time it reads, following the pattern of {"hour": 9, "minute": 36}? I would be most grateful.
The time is {"hour": 4, "minute": 29}
